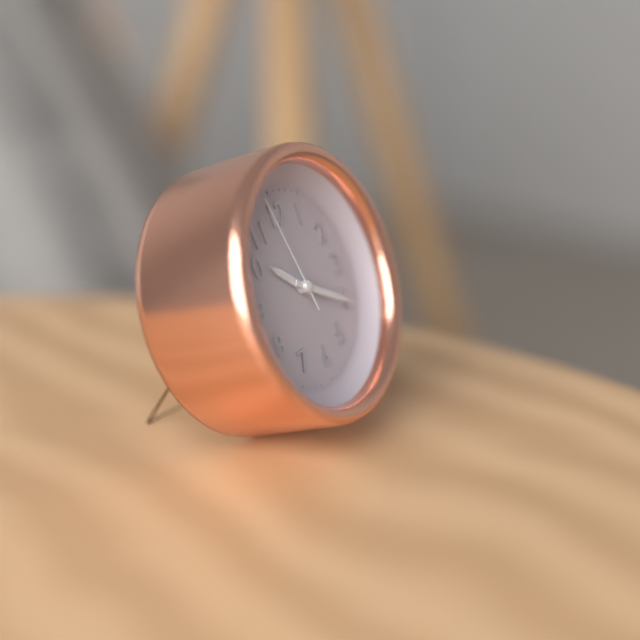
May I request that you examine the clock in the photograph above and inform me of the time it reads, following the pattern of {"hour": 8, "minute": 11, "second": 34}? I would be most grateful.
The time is {"hour": 10, "minute": 20, "second": 58}
